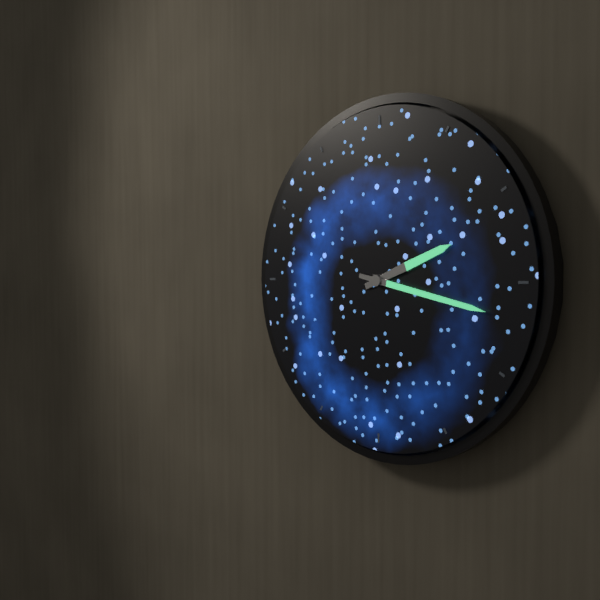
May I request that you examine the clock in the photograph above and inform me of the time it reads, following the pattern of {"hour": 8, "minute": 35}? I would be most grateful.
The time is {"hour": 2, "minute": 17}
